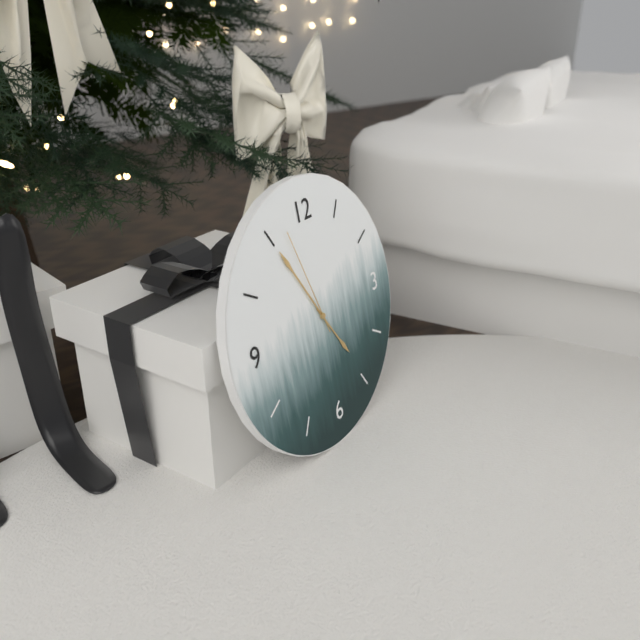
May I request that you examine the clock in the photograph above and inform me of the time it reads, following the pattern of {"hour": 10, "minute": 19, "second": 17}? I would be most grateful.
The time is {"hour": 4, "minute": 55, "second": 57}
